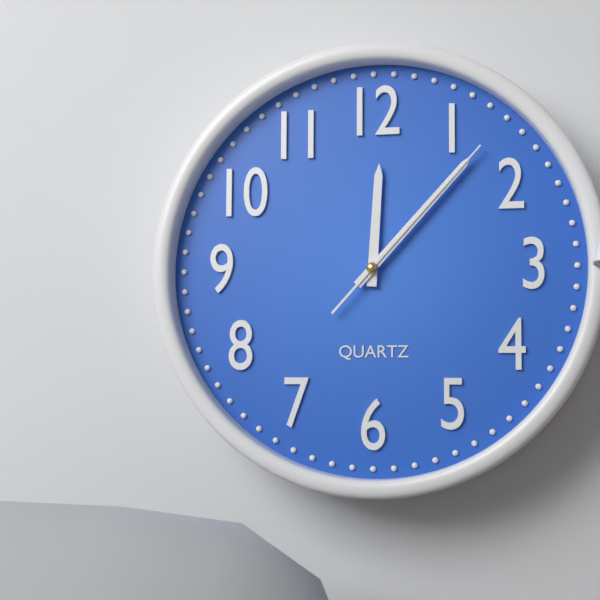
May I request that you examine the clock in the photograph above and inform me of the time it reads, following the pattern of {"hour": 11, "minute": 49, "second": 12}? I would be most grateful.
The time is {"hour": 12, "minute": 7, "second": 7}
